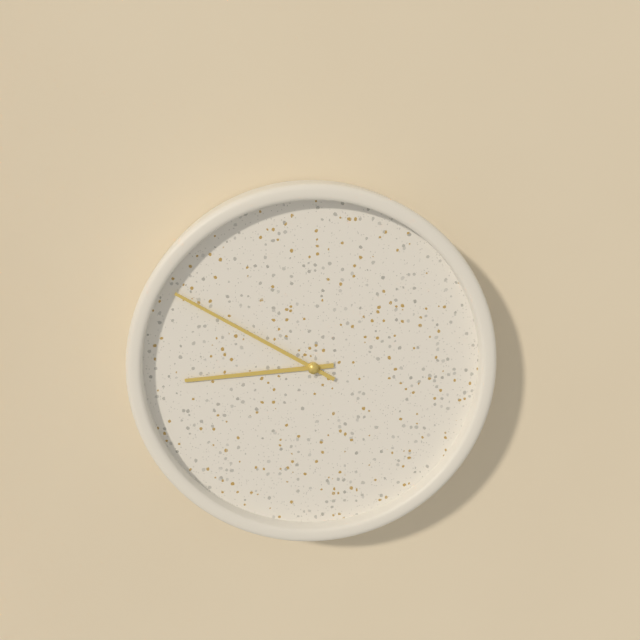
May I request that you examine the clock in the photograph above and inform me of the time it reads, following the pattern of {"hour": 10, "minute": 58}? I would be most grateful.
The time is {"hour": 8, "minute": 50}
